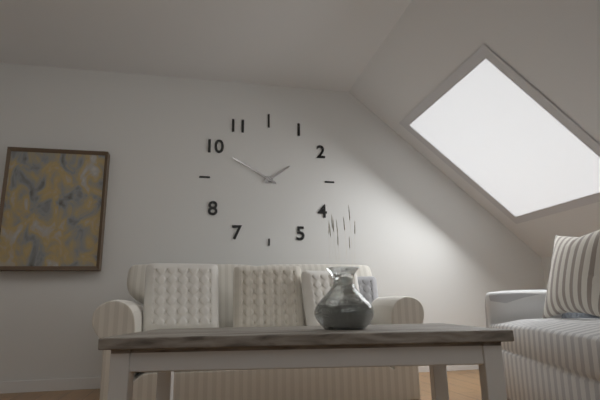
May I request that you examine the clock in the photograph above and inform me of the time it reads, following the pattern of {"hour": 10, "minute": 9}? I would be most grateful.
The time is {"hour": 1, "minute": 50}
